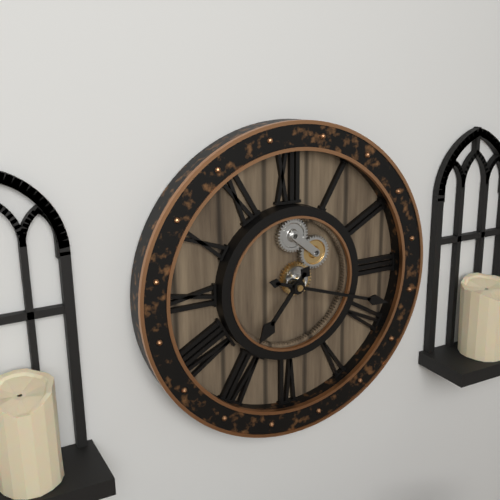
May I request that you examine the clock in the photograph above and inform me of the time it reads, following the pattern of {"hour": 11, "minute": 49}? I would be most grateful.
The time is {"hour": 7, "minute": 18}
